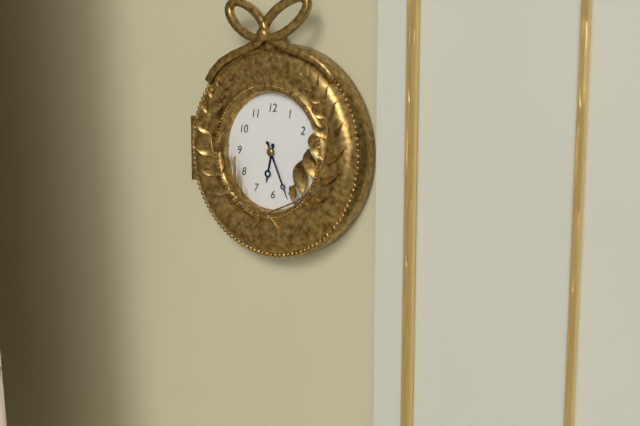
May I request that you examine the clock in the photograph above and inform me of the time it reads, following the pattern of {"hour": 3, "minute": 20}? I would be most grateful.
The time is {"hour": 6, "minute": 26}
